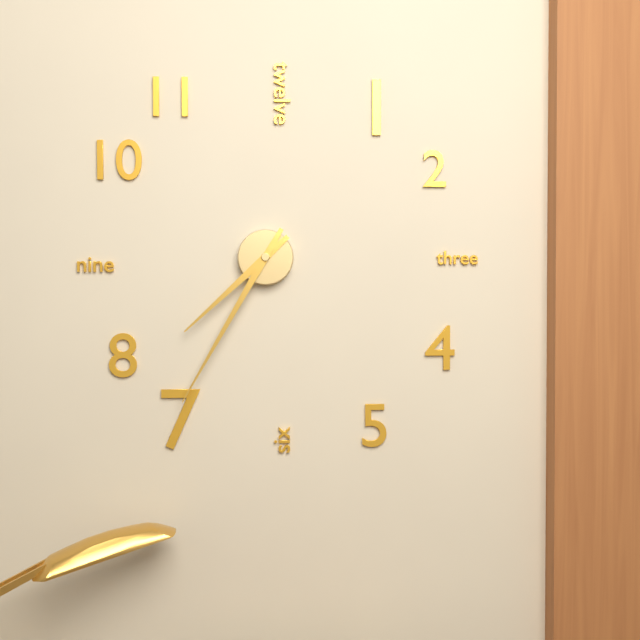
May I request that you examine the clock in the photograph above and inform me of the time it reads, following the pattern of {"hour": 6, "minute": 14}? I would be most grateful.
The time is {"hour": 7, "minute": 35}
